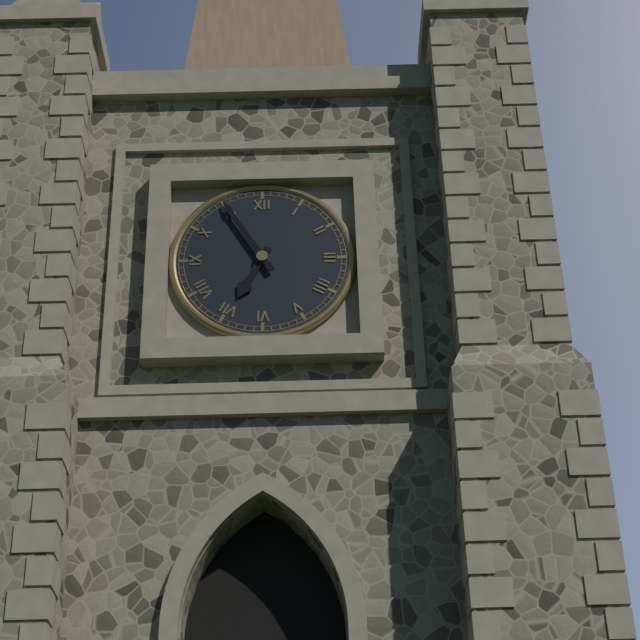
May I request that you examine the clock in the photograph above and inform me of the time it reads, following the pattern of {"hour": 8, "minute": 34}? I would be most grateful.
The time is {"hour": 6, "minute": 55}
